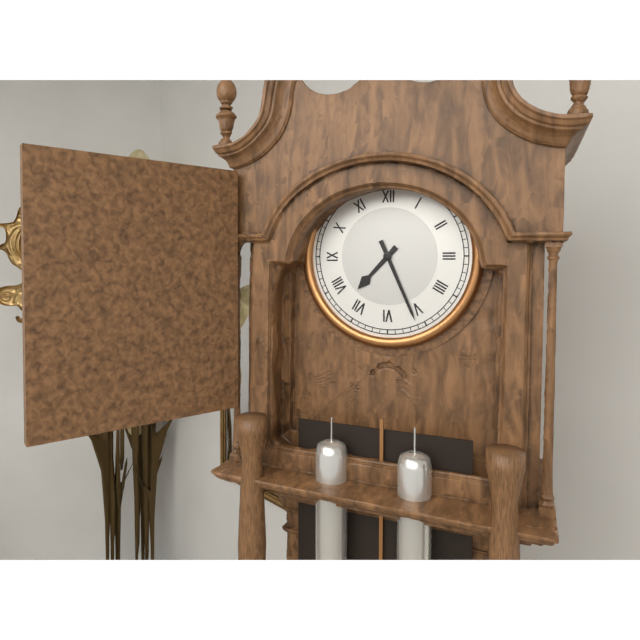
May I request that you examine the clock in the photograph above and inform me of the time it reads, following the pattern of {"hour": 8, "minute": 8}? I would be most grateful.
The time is {"hour": 7, "minute": 26}
